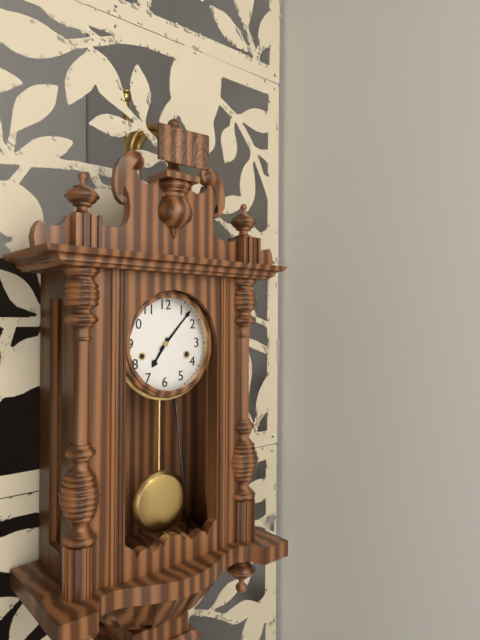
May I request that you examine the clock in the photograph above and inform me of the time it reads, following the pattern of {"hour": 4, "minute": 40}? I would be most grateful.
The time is {"hour": 7, "minute": 7}
